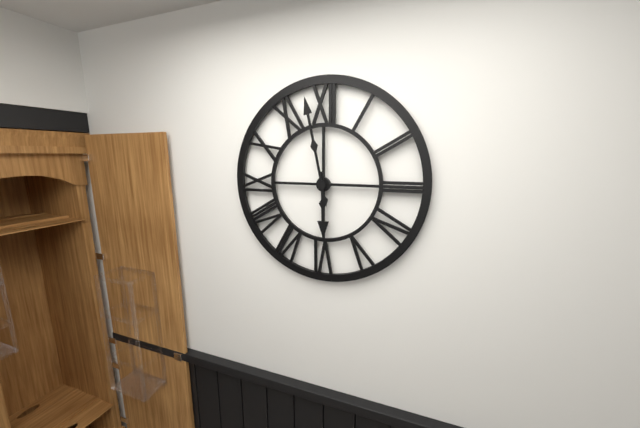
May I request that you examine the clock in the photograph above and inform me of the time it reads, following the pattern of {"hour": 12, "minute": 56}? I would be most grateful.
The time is {"hour": 5, "minute": 58}
